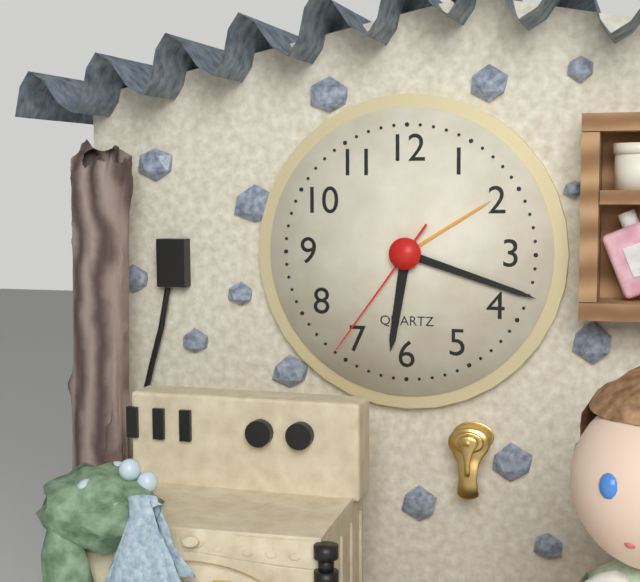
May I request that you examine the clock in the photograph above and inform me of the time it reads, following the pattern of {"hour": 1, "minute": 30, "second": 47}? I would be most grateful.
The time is {"hour": 6, "minute": 18, "second": 36}
